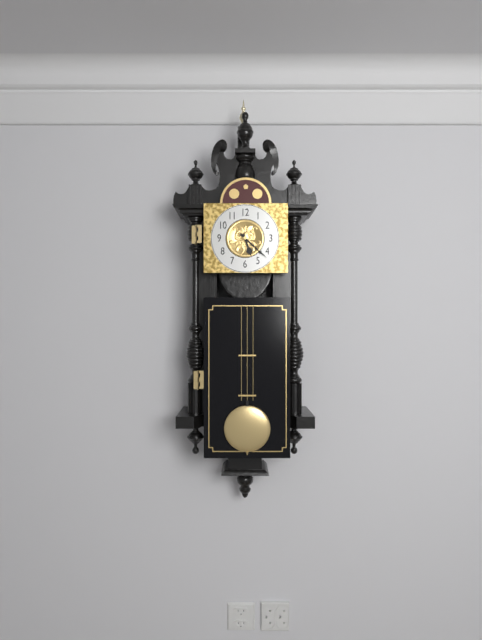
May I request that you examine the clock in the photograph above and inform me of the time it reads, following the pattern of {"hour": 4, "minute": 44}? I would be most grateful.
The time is {"hour": 5, "minute": 22}
